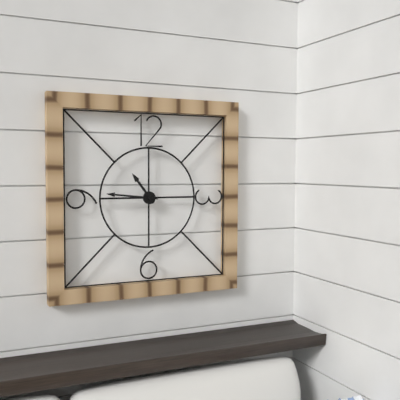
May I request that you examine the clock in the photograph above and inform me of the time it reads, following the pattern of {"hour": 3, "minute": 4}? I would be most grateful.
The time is {"hour": 10, "minute": 46}
